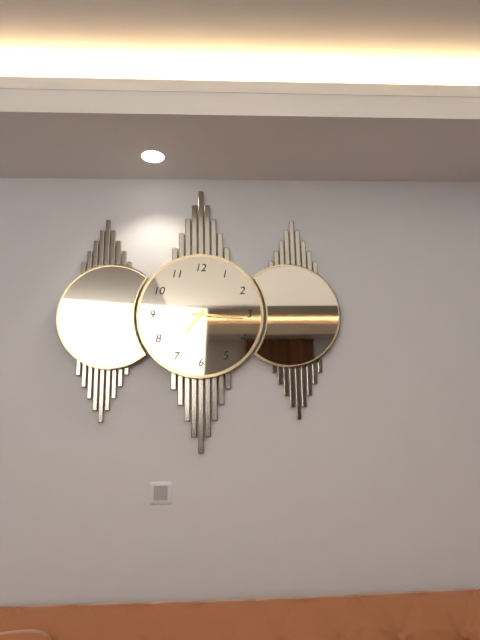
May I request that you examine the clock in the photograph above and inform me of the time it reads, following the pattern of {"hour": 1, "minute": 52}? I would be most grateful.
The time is {"hour": 7, "minute": 16}
